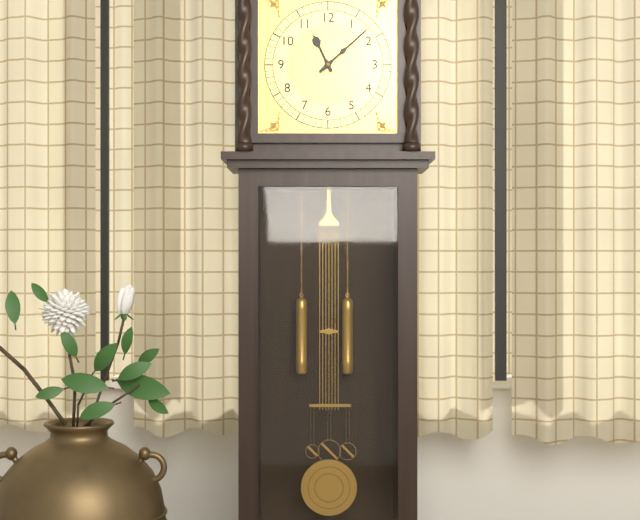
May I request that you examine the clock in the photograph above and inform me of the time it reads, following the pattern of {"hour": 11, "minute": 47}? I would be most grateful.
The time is {"hour": 11, "minute": 8}
